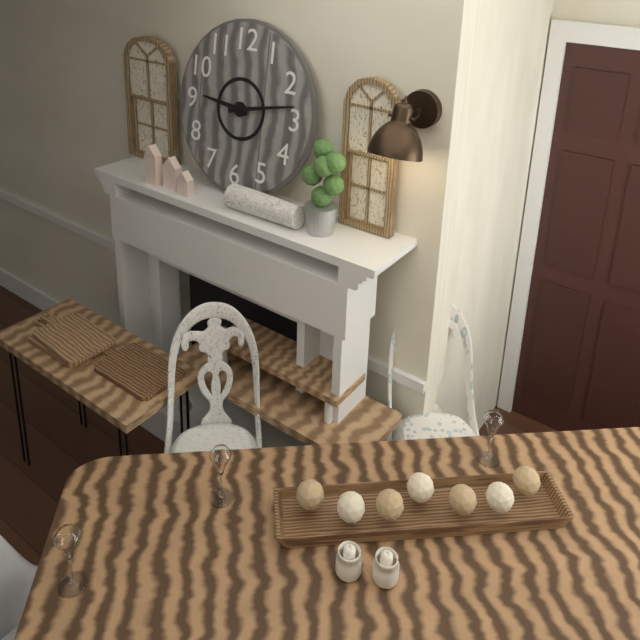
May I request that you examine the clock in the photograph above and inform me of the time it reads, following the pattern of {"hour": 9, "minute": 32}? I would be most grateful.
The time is {"hour": 9, "minute": 13}
